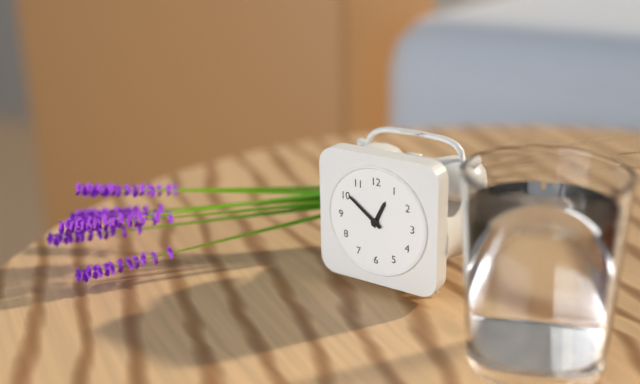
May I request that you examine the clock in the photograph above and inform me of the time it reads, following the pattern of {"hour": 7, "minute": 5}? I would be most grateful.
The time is {"hour": 12, "minute": 51}
